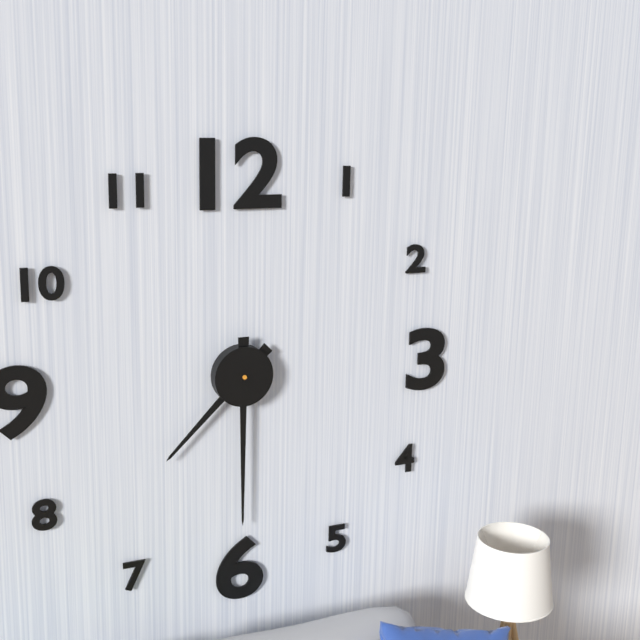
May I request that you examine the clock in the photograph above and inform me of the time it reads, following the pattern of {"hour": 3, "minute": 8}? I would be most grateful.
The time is {"hour": 7, "minute": 30}
